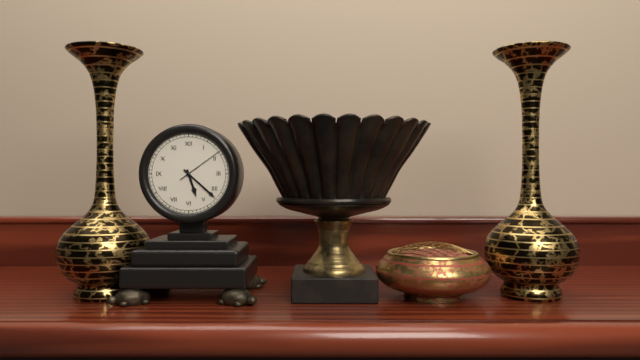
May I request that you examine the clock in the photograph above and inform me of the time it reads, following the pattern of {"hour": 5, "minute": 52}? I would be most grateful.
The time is {"hour": 5, "minute": 22}
